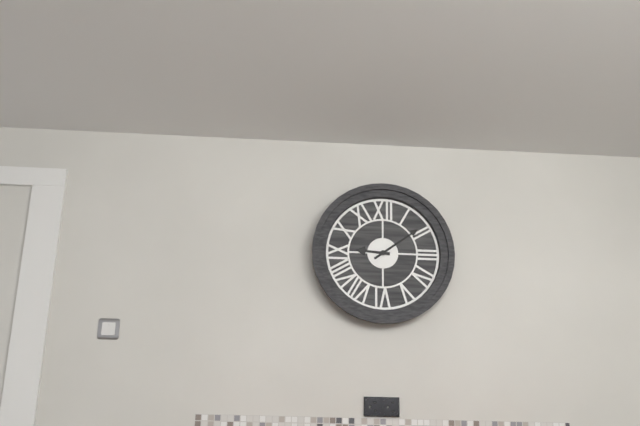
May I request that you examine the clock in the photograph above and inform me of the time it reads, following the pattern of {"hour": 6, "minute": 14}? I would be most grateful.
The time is {"hour": 9, "minute": 9}
